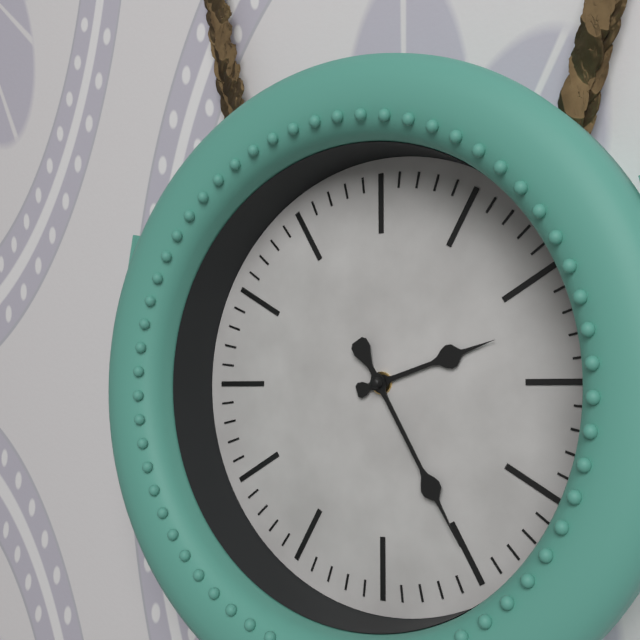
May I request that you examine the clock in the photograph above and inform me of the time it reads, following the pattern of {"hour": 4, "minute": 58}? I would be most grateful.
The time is {"hour": 2, "minute": 25}
